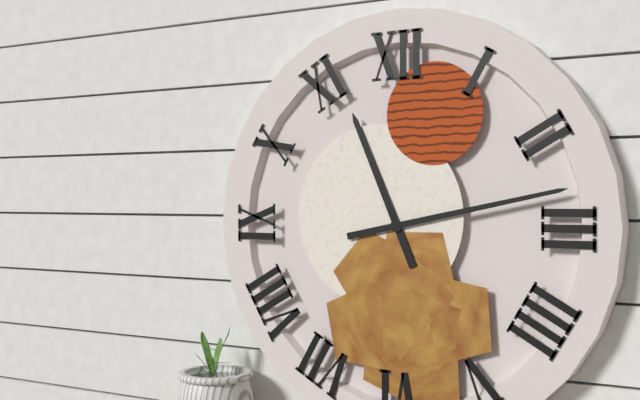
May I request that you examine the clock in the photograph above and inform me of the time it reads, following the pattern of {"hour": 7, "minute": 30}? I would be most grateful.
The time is {"hour": 11, "minute": 13}
